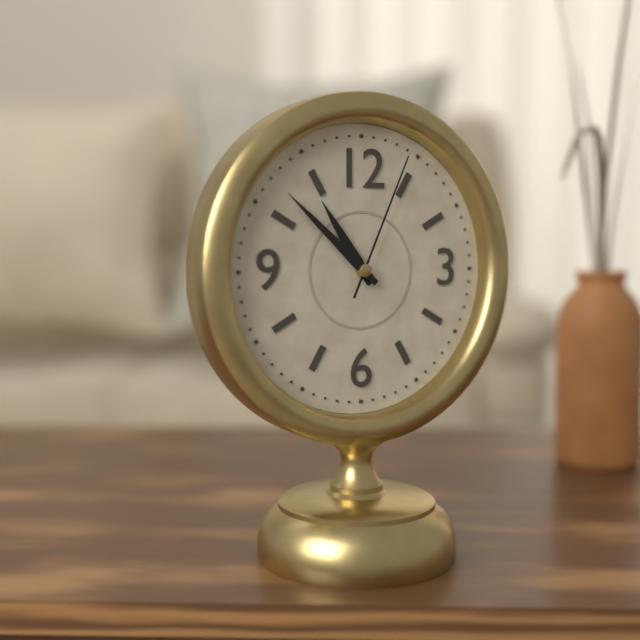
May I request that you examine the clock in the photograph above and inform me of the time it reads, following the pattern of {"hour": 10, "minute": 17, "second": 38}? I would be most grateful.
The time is {"hour": 10, "minute": 52, "second": 4}
